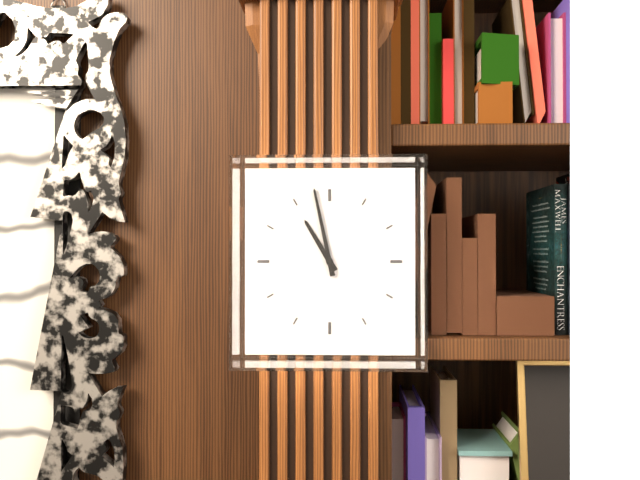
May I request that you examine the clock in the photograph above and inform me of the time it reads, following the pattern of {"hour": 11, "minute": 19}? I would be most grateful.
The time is {"hour": 10, "minute": 58}
